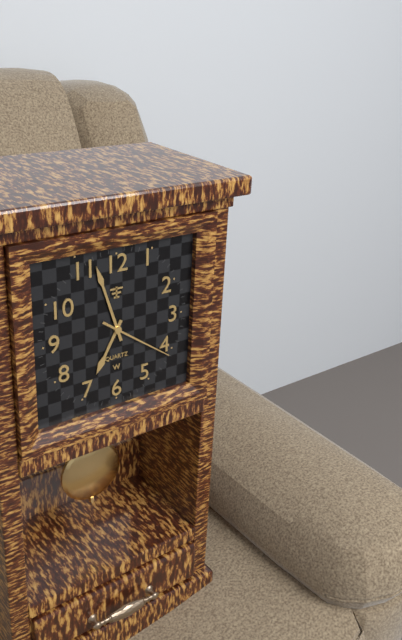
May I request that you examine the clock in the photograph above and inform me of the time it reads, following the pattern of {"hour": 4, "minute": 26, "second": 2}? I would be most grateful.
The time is {"hour": 6, "minute": 57, "second": 21}
